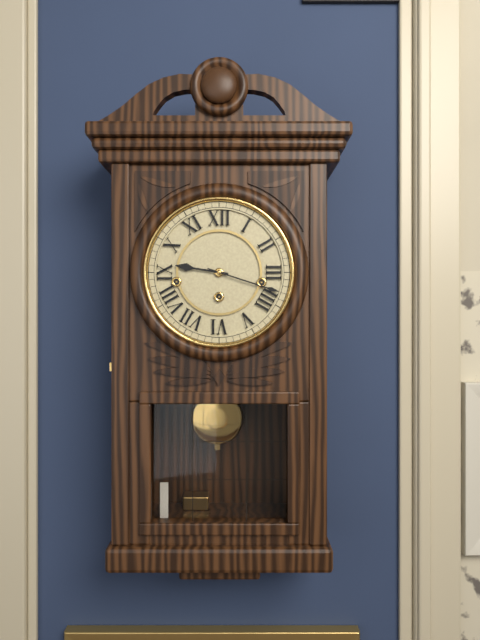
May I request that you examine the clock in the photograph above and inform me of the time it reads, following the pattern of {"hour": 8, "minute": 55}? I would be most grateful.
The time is {"hour": 9, "minute": 18}
